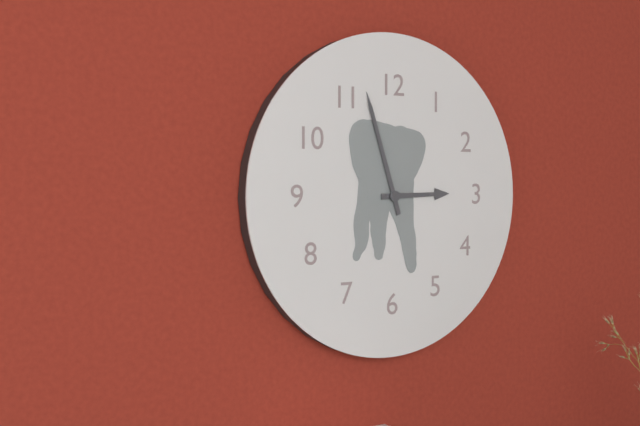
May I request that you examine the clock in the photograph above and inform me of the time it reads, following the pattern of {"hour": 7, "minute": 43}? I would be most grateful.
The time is {"hour": 2, "minute": 57}
